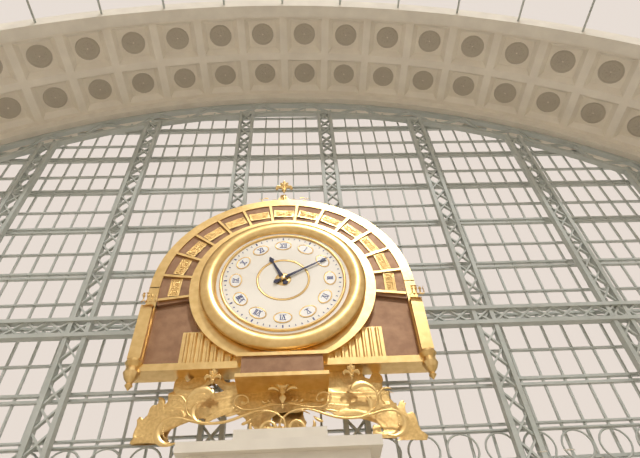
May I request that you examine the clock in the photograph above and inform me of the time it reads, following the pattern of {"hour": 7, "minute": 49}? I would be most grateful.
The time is {"hour": 11, "minute": 10}
